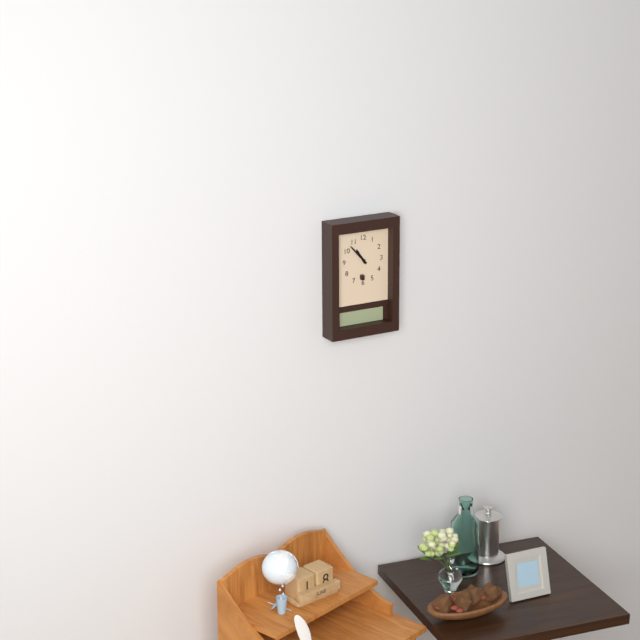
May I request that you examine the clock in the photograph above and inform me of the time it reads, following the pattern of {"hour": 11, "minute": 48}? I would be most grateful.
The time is {"hour": 10, "minute": 53}
